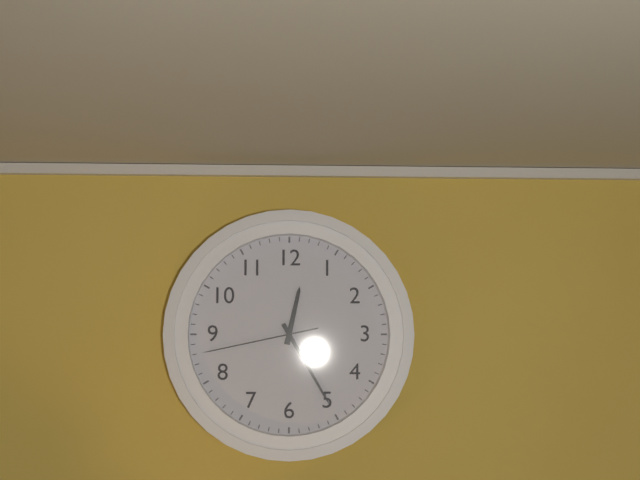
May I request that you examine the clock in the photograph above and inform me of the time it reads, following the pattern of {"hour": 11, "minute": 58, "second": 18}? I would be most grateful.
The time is {"hour": 12, "minute": 25, "second": 43}
